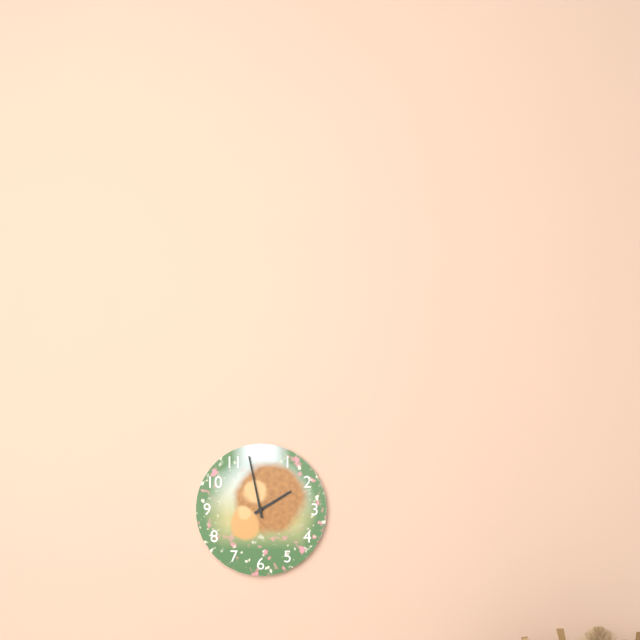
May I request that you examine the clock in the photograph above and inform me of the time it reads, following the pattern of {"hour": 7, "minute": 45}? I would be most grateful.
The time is {"hour": 1, "minute": 58}
